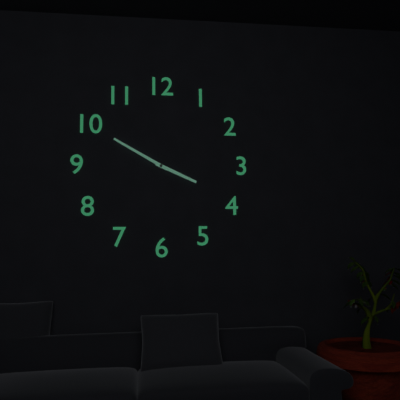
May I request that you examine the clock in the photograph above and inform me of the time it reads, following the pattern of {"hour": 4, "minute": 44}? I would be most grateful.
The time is {"hour": 3, "minute": 50}
